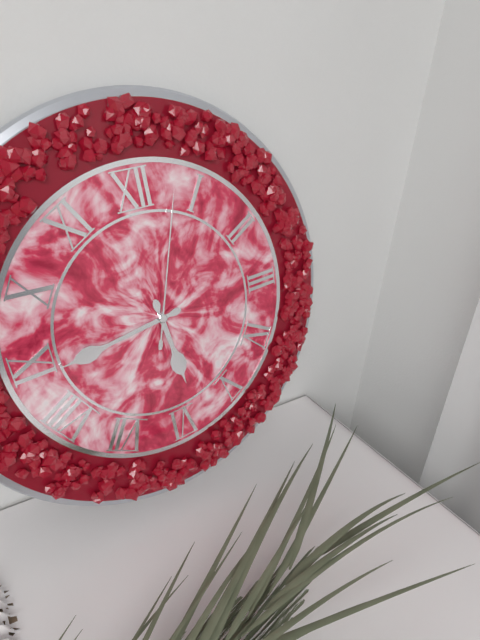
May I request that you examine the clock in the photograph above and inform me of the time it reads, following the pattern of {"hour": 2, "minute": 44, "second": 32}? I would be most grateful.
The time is {"hour": 5, "minute": 44, "second": 3}
